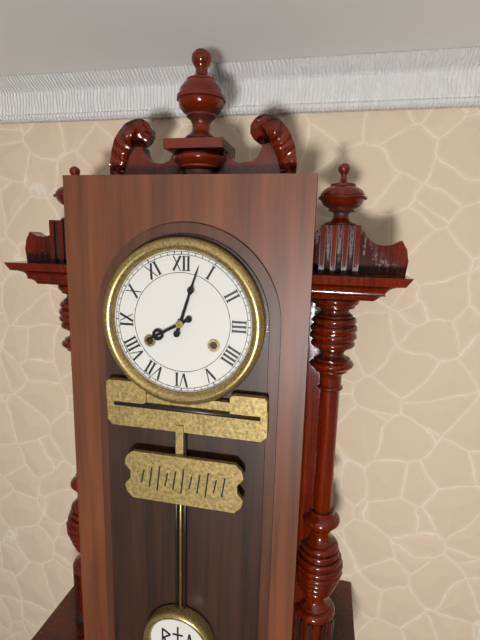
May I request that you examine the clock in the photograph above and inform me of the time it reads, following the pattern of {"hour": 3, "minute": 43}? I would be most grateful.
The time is {"hour": 8, "minute": 3}
